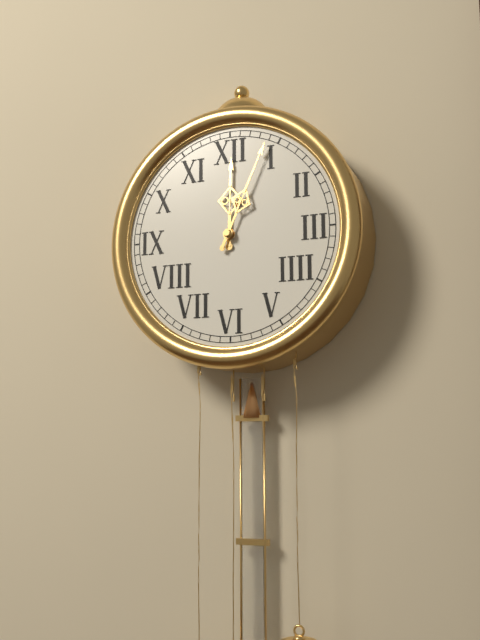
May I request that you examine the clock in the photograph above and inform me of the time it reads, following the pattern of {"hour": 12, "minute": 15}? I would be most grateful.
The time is {"hour": 12, "minute": 4}
